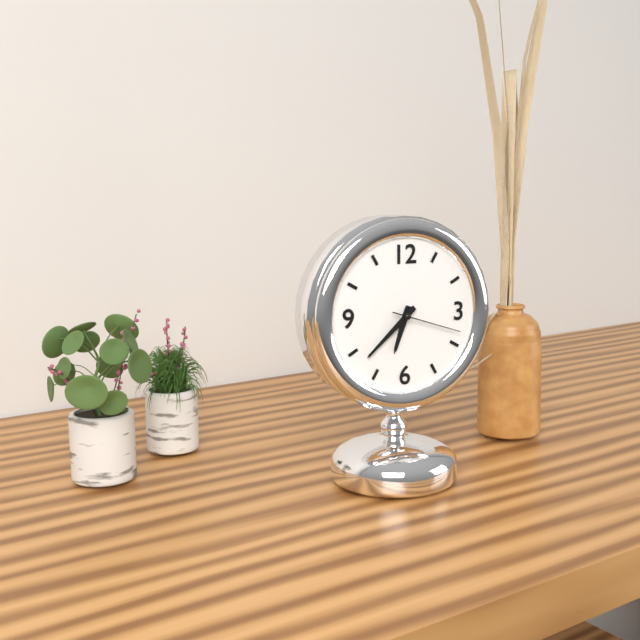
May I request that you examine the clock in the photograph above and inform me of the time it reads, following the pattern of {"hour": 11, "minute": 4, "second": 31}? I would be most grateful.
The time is {"hour": 6, "minute": 38, "second": 18}
